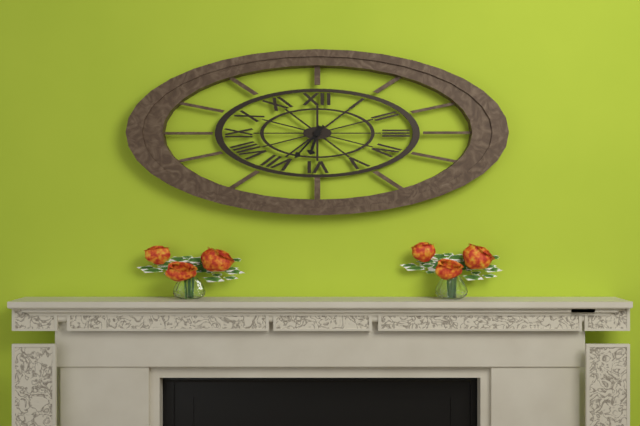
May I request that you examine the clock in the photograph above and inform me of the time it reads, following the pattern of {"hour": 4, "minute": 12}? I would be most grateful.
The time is {"hour": 6, "minute": 37}
